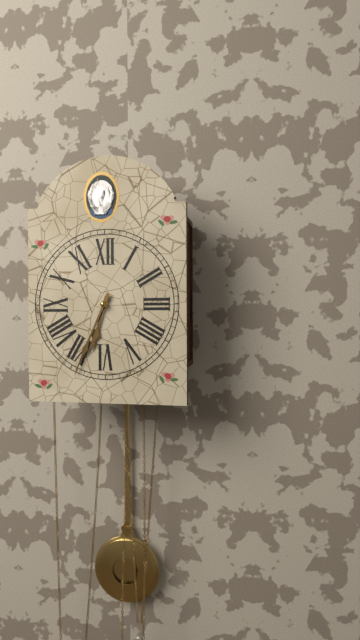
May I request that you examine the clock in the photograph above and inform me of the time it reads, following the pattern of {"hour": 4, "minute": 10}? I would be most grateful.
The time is {"hour": 6, "minute": 34}
